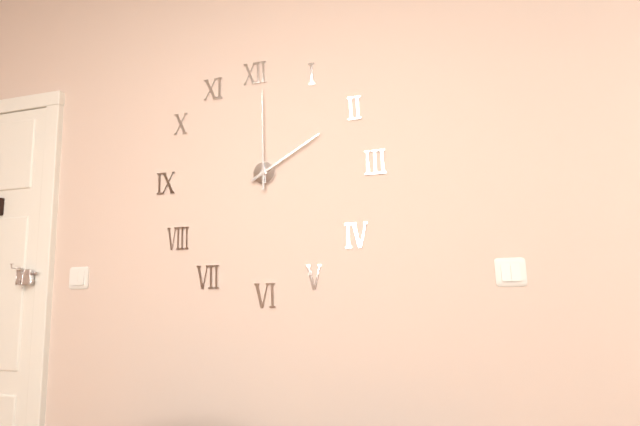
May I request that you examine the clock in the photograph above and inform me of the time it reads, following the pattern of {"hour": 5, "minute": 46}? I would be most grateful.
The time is {"hour": 2, "minute": 0}
